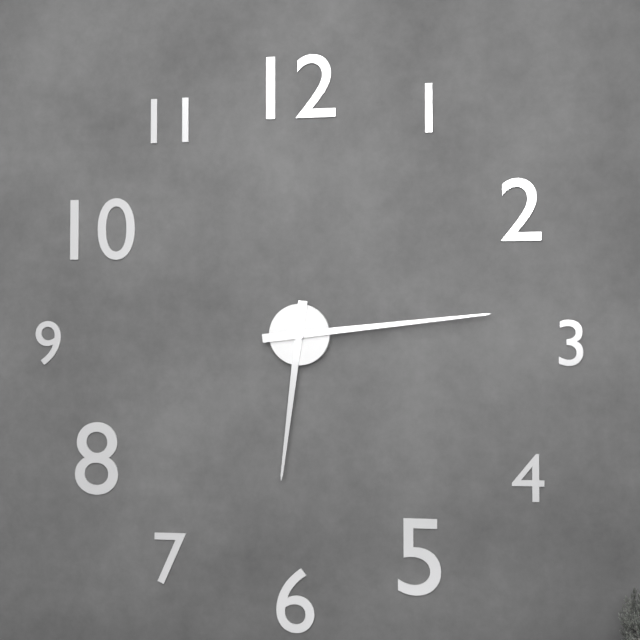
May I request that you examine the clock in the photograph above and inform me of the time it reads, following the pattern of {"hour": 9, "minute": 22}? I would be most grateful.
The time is {"hour": 6, "minute": 14}
